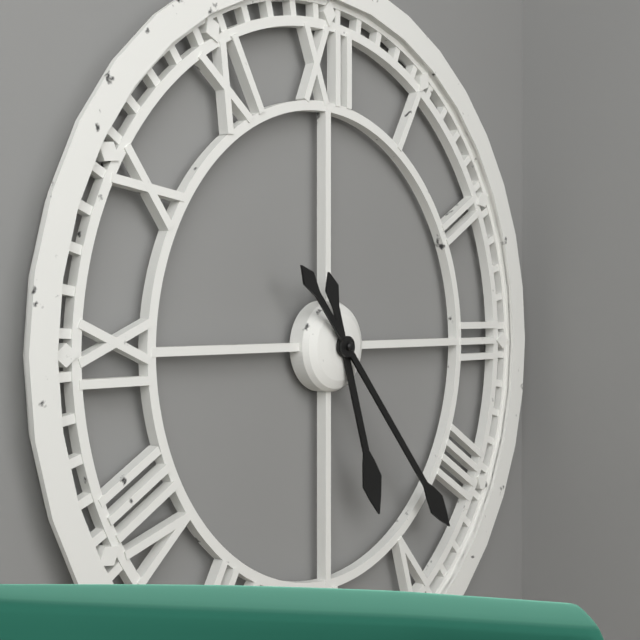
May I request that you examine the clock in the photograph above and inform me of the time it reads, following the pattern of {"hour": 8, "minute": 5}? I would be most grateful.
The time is {"hour": 5, "minute": 23}
